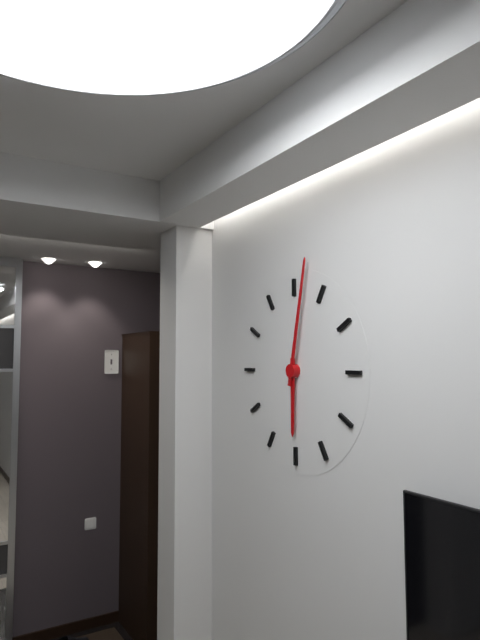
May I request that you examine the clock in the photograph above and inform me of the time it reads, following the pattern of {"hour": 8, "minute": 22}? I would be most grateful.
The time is {"hour": 6, "minute": 2}
